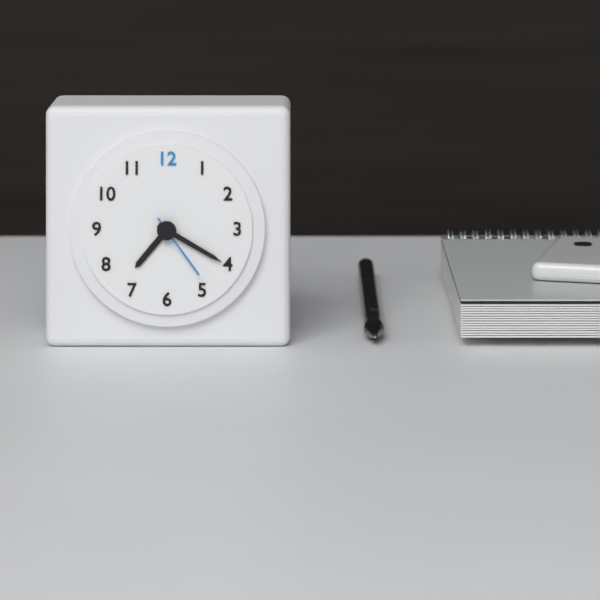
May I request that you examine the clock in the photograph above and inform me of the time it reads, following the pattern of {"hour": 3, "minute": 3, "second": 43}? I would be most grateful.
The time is {"hour": 7, "minute": 20, "second": 24}
